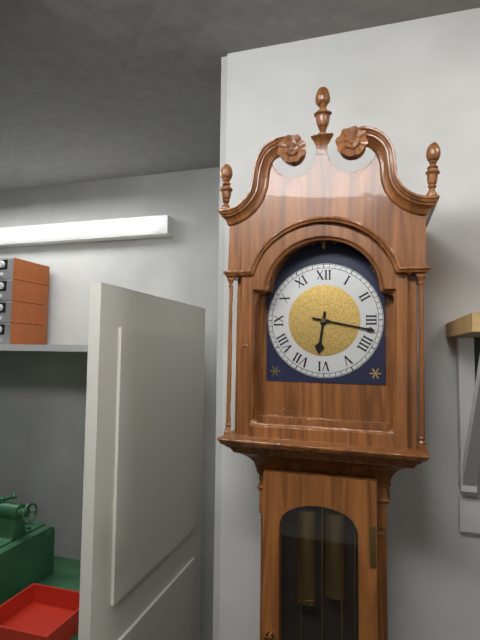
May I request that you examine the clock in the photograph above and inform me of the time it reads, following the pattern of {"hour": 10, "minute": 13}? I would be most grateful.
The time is {"hour": 6, "minute": 17}
